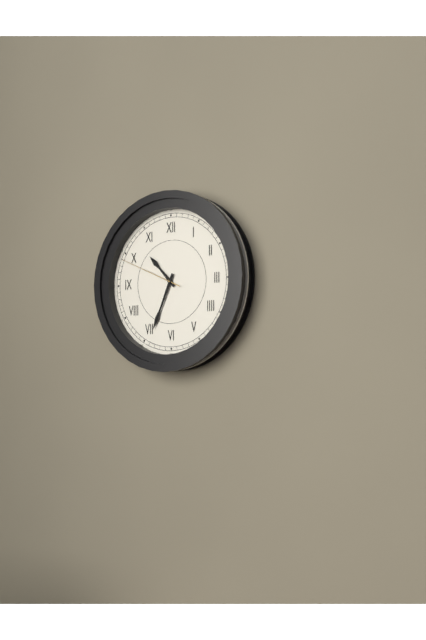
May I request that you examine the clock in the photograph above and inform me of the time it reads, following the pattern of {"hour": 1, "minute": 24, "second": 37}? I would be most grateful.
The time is {"hour": 10, "minute": 34, "second": 49}
